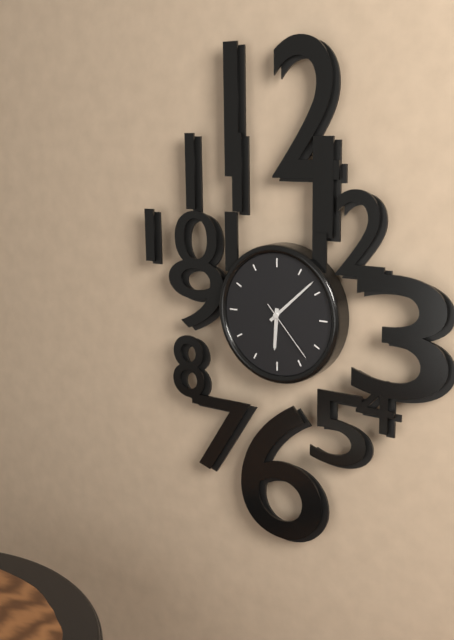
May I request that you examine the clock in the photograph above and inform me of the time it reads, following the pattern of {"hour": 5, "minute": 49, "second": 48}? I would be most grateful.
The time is {"hour": 6, "minute": 8, "second": 23}
